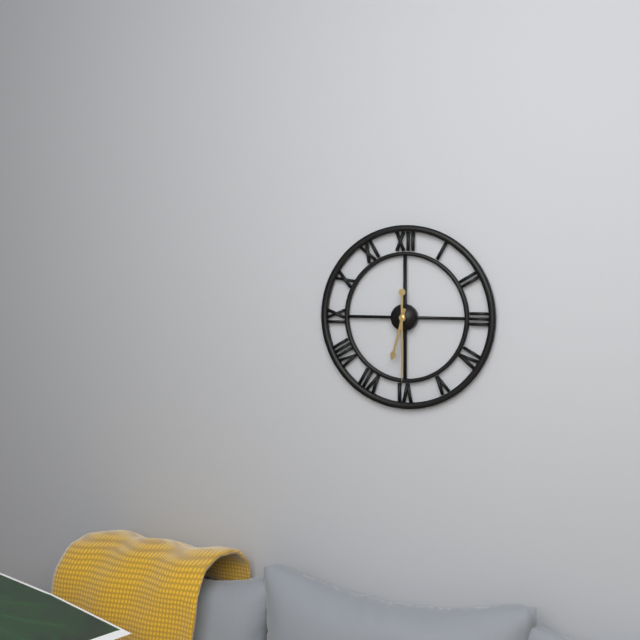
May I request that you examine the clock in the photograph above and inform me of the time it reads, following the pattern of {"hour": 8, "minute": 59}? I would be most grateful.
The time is {"hour": 6, "minute": 30}
